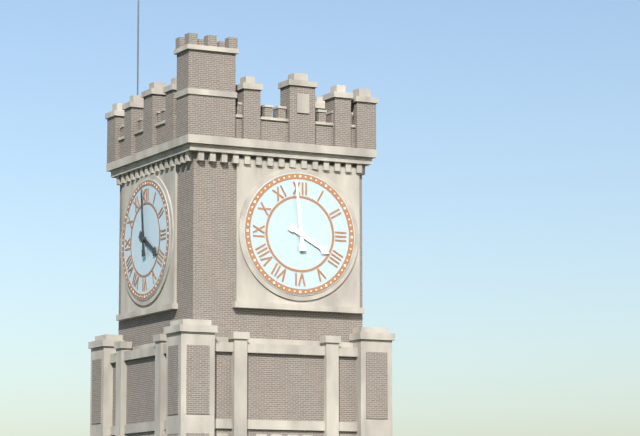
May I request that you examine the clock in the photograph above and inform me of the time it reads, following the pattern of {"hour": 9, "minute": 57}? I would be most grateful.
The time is {"hour": 3, "minute": 59}
